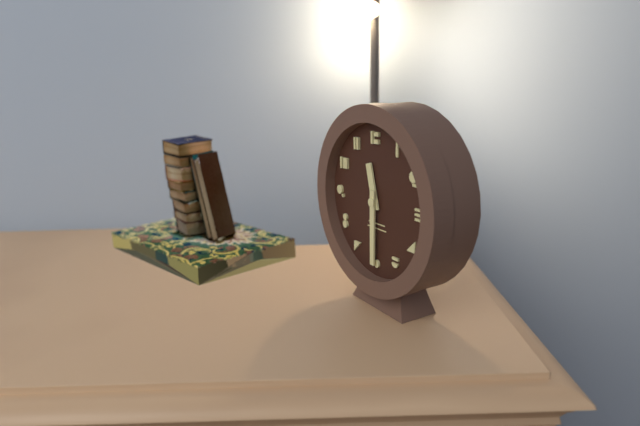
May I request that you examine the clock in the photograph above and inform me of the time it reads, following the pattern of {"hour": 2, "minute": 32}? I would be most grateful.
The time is {"hour": 11, "minute": 30}
